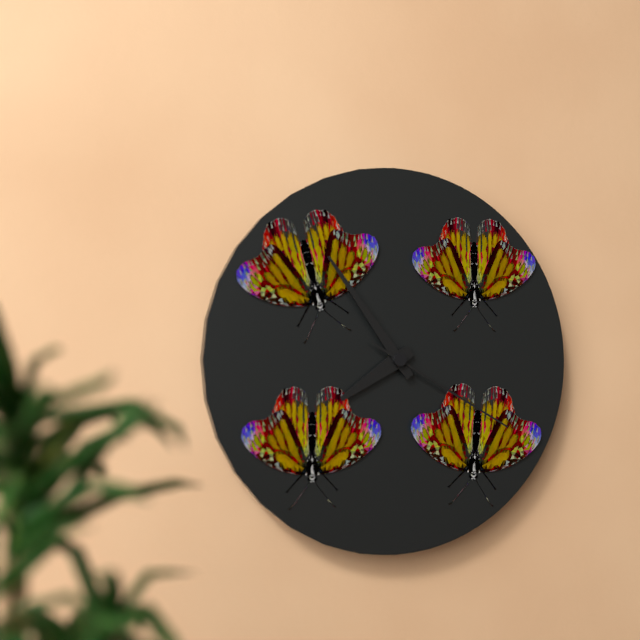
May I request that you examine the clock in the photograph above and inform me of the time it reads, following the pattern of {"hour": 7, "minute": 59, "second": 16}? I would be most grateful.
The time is {"hour": 7, "minute": 54, "second": 20}
